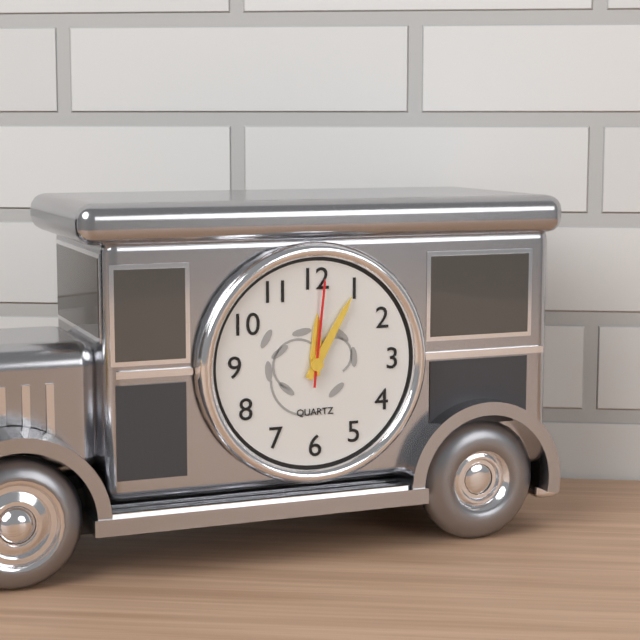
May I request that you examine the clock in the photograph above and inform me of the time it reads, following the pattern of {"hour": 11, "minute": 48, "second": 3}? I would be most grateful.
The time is {"hour": 12, "minute": 5, "second": 1}
